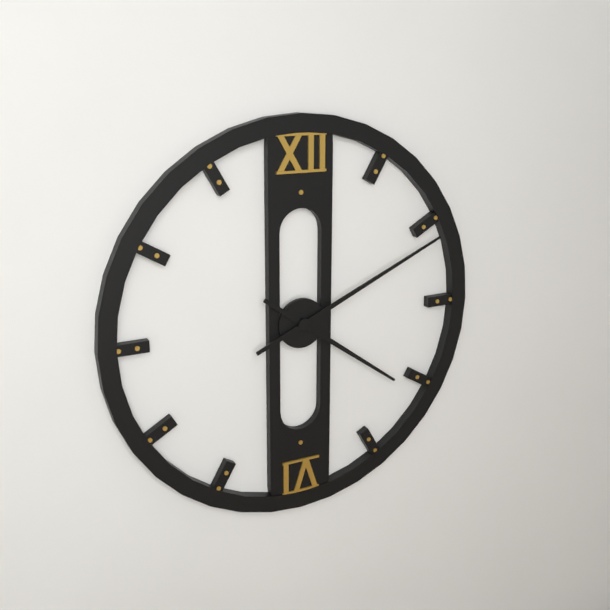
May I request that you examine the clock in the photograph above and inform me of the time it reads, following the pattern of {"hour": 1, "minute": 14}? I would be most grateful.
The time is {"hour": 4, "minute": 11}
